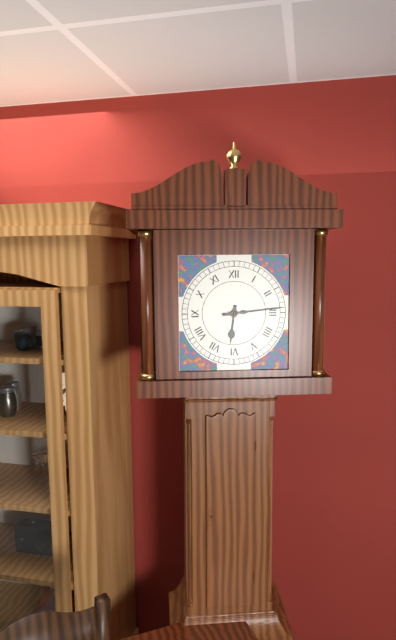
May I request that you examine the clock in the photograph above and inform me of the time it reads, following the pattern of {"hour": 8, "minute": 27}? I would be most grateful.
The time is {"hour": 6, "minute": 14}
